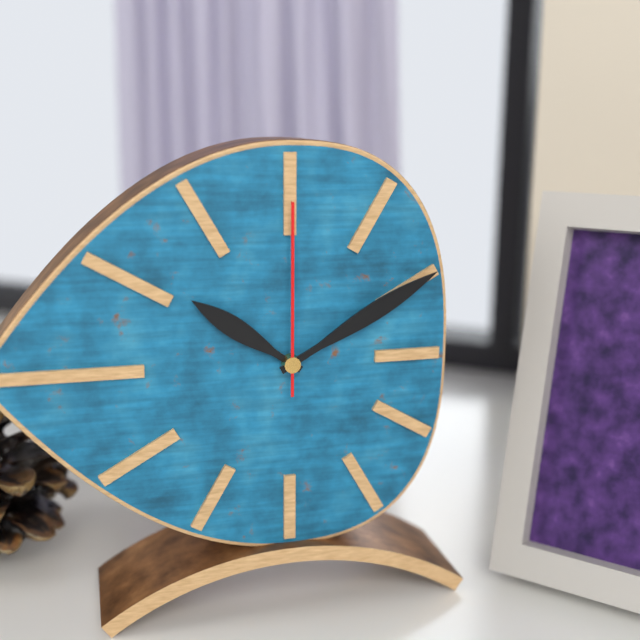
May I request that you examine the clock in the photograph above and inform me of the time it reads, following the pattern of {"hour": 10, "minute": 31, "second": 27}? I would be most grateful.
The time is {"hour": 10, "minute": 10, "second": 0}
